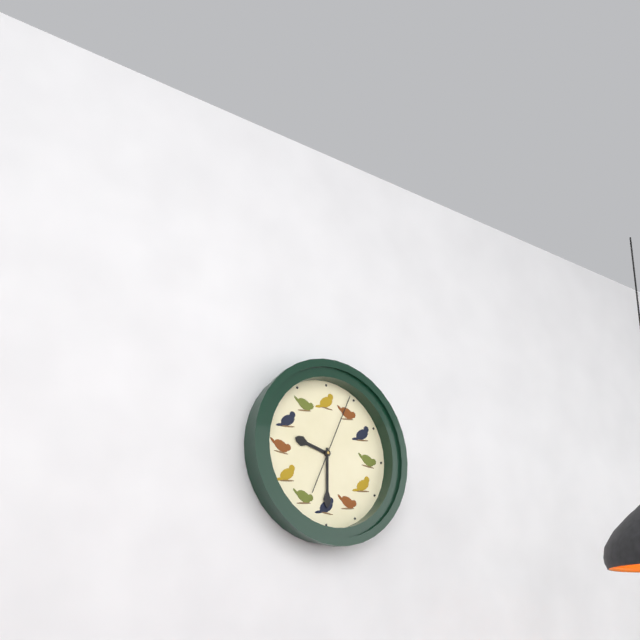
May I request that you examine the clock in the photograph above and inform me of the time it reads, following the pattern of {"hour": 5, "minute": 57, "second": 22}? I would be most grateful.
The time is {"hour": 9, "minute": 30, "second": 4}
